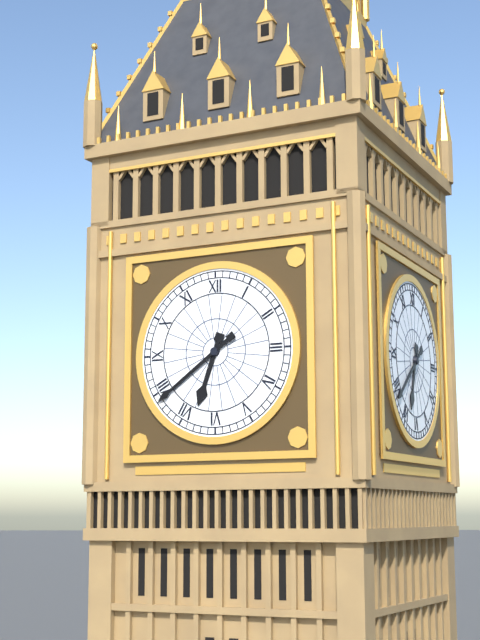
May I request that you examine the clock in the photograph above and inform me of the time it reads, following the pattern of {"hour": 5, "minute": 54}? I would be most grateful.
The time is {"hour": 6, "minute": 39}
